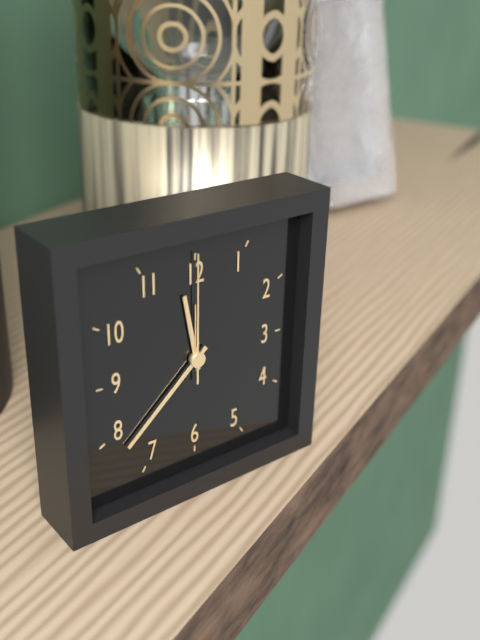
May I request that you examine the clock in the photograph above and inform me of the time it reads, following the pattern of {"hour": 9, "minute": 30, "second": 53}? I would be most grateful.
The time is {"hour": 11, "minute": 38, "second": 0}
